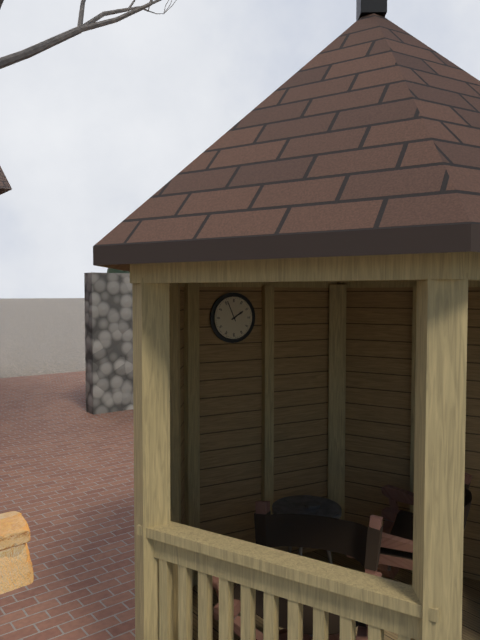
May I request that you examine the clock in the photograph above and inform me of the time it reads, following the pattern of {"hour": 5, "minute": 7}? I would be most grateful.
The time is {"hour": 1, "minute": 56}
